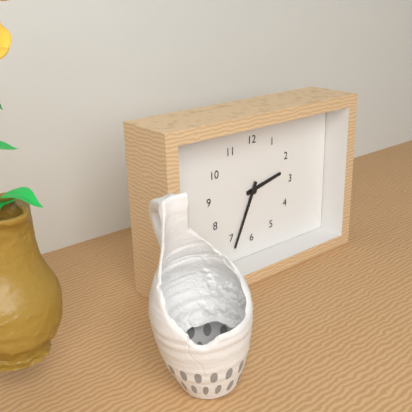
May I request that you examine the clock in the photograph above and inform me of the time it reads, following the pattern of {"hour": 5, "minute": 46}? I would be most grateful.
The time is {"hour": 2, "minute": 34}
